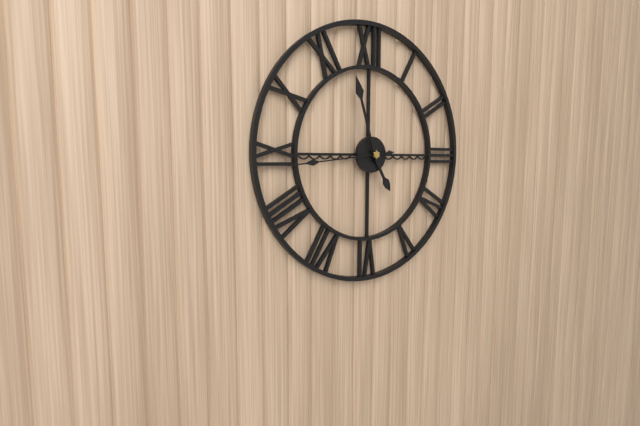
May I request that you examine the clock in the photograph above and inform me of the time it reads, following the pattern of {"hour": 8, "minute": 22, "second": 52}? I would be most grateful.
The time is {"hour": 4, "minute": 57, "second": 44}
